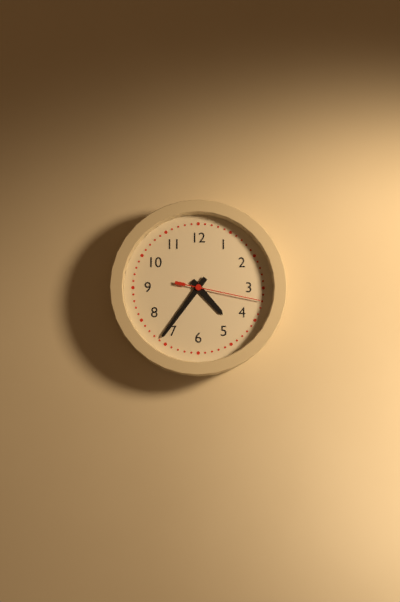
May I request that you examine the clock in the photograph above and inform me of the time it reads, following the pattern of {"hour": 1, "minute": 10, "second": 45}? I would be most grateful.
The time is {"hour": 4, "minute": 36, "second": 17}
